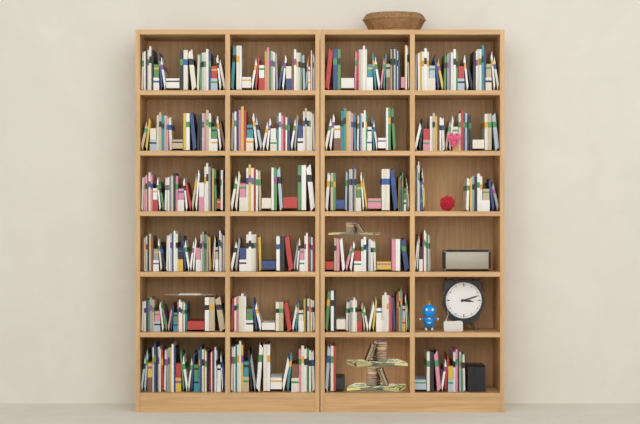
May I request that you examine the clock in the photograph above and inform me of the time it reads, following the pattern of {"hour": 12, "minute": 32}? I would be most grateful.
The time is {"hour": 3, "minute": 12}
